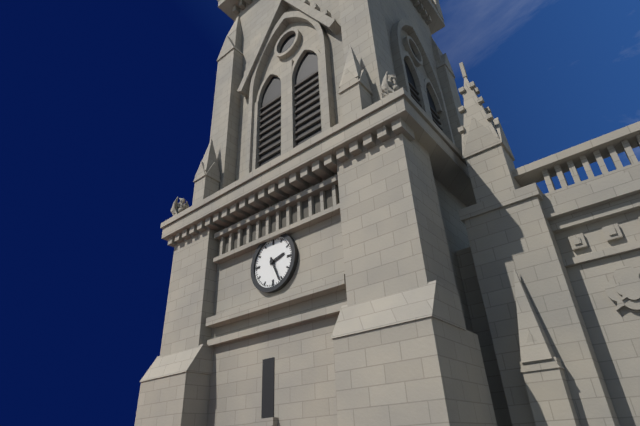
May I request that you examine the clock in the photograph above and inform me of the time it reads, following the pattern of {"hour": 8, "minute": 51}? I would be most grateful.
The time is {"hour": 2, "minute": 26}
